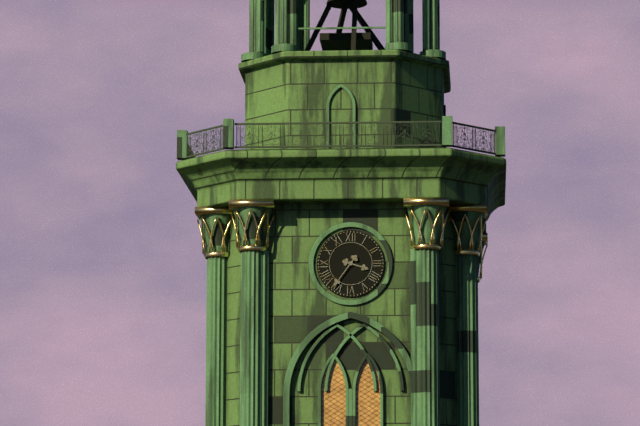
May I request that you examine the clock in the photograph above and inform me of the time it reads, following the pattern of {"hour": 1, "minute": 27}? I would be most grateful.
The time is {"hour": 3, "minute": 36}
